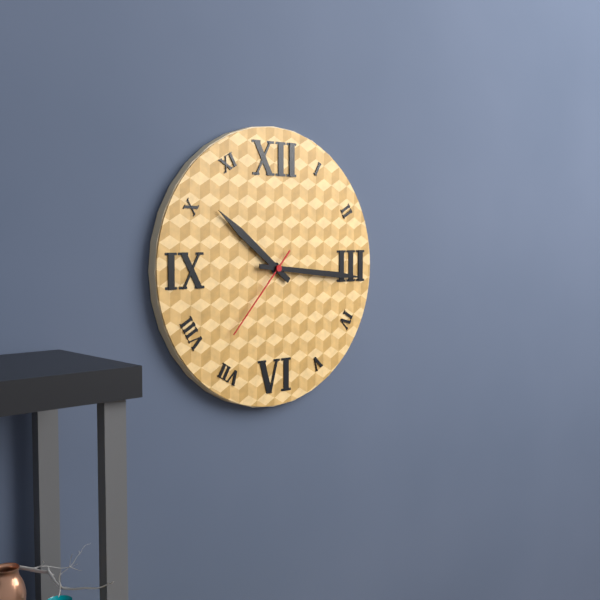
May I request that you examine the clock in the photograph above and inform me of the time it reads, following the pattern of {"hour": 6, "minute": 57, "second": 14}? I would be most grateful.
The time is {"hour": 10, "minute": 16, "second": 37}
